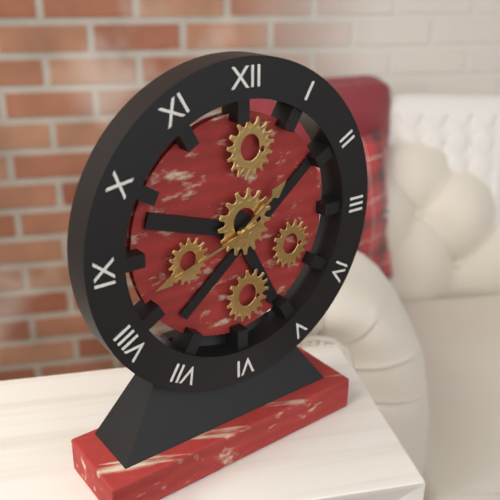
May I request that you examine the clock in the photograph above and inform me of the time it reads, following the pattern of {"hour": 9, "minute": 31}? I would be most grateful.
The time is {"hour": 1, "minute": 42}
